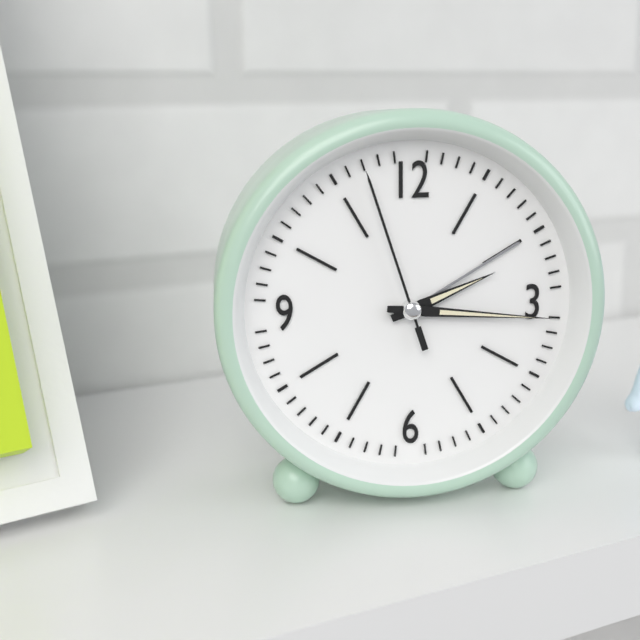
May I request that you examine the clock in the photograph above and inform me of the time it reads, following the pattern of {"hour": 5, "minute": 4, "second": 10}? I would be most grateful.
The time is {"hour": 2, "minute": 16, "second": 57}
